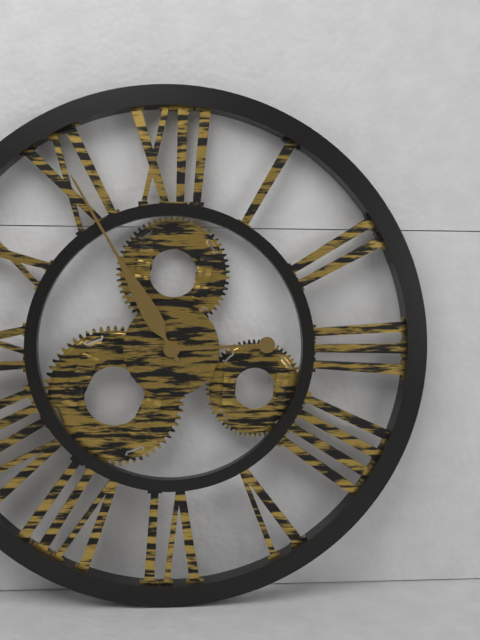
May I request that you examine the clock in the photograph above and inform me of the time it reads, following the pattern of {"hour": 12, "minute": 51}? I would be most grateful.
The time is {"hour": 2, "minute": 55}
